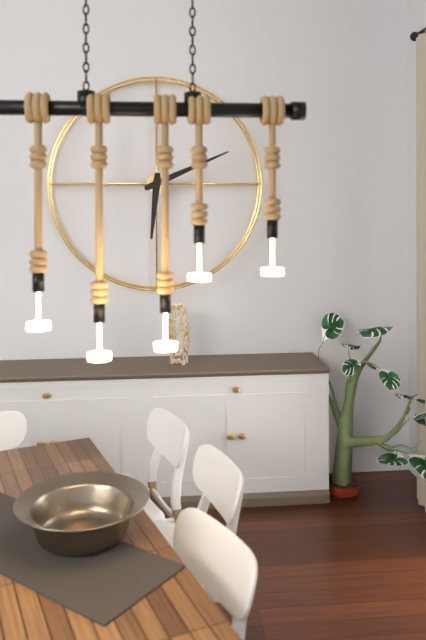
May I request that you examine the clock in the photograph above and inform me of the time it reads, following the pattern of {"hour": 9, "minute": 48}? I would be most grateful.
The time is {"hour": 6, "minute": 11}
